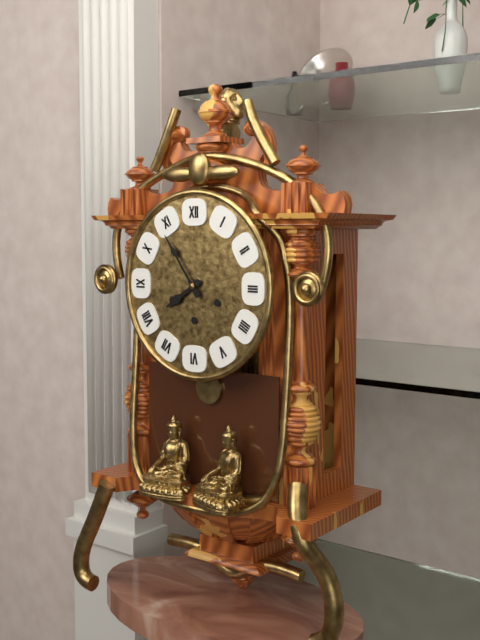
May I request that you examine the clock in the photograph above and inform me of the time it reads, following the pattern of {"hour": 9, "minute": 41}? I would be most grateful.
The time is {"hour": 7, "minute": 54}
